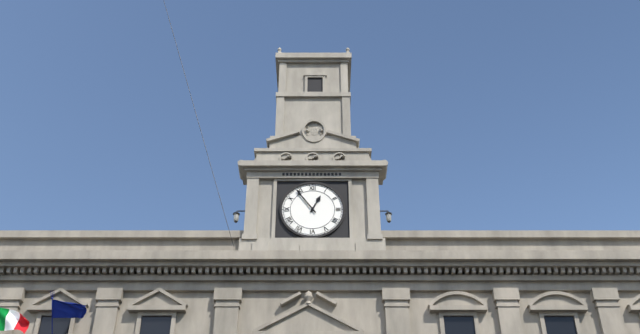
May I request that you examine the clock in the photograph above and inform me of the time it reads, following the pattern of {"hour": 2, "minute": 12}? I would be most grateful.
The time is {"hour": 12, "minute": 54}
